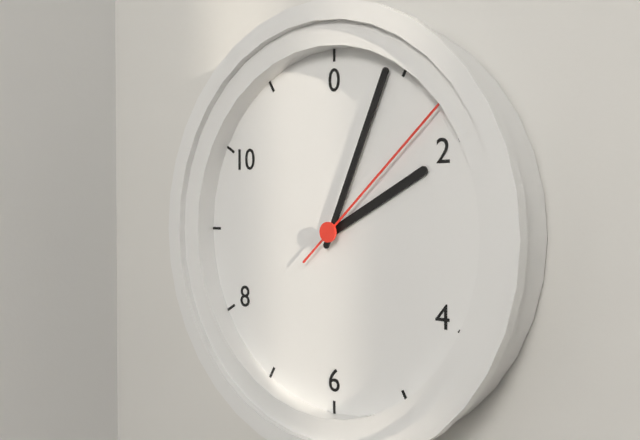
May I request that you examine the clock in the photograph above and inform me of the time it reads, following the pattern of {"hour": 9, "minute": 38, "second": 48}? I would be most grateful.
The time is {"hour": 2, "minute": 4, "second": 8}
